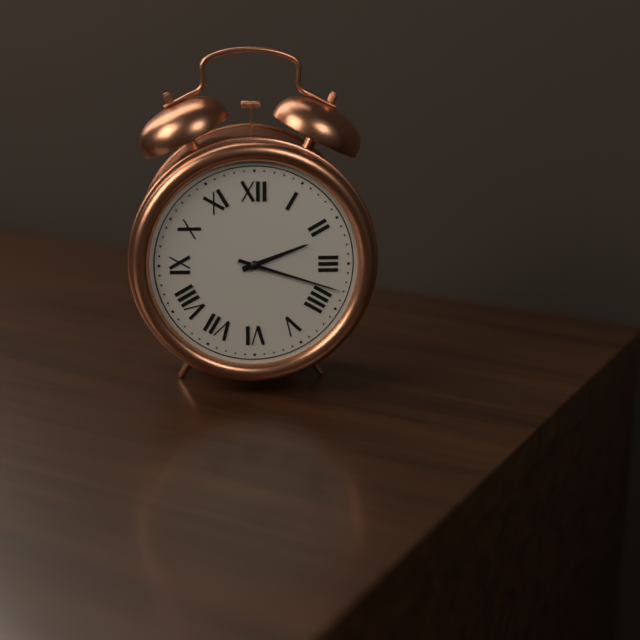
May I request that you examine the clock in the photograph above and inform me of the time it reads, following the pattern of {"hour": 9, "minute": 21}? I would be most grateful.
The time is {"hour": 2, "minute": 18}
